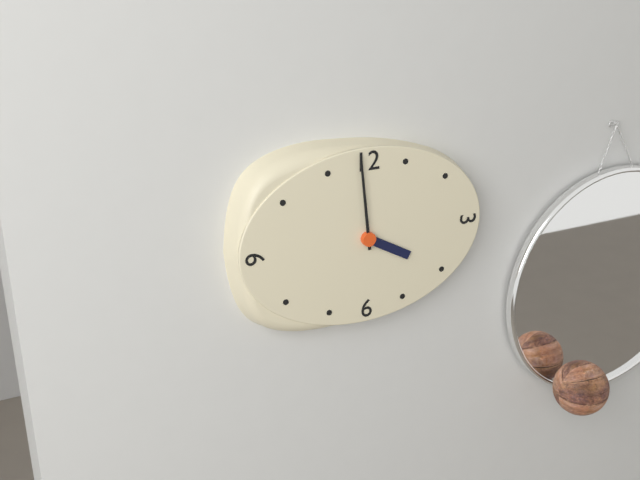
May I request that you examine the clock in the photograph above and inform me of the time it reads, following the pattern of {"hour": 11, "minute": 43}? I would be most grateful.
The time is {"hour": 3, "minute": 59}
